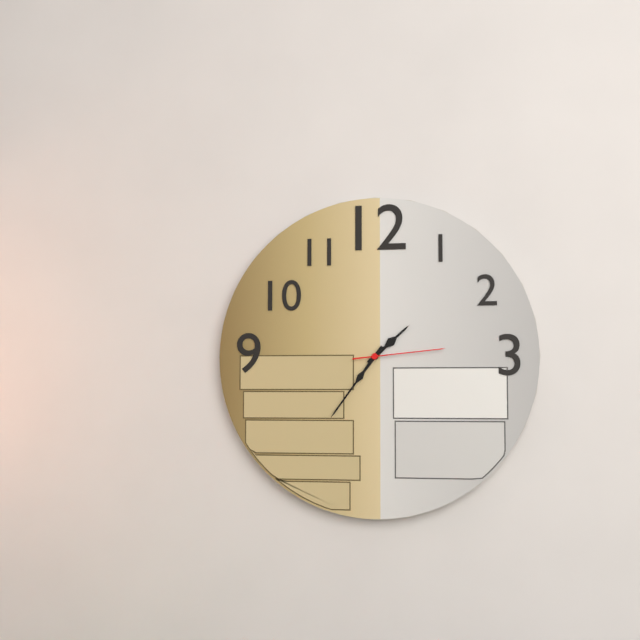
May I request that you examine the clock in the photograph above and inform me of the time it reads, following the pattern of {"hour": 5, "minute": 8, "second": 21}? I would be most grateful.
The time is {"hour": 1, "minute": 36, "second": 14}
